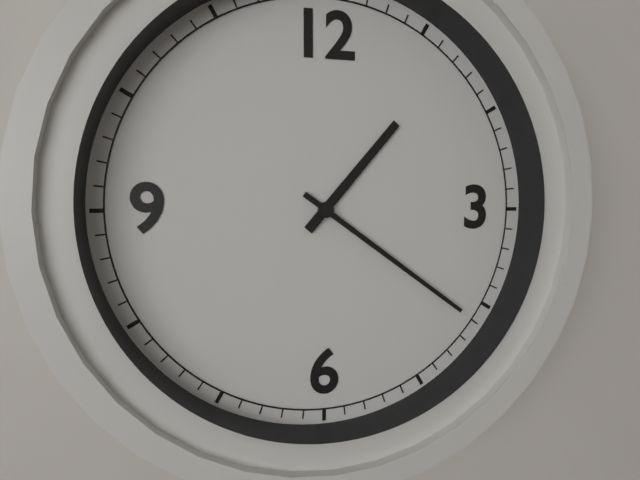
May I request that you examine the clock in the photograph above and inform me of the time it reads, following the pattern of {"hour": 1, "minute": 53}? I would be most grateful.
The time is {"hour": 1, "minute": 21}
